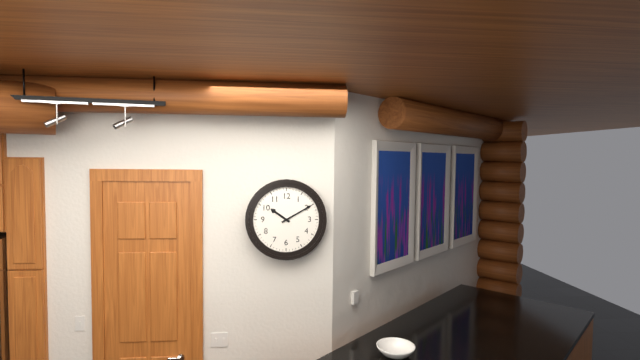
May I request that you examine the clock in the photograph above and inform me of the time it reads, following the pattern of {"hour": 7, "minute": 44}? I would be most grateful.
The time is {"hour": 10, "minute": 10}
